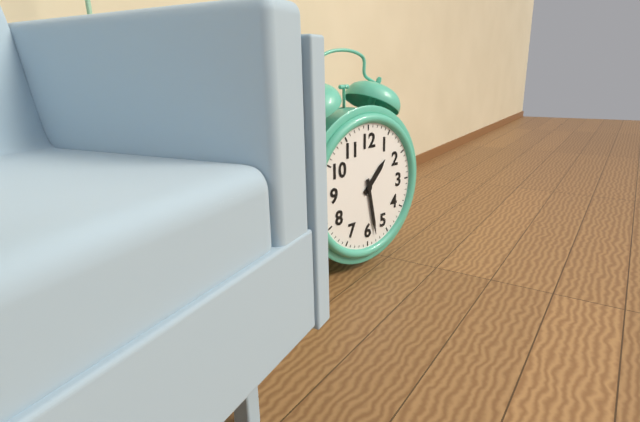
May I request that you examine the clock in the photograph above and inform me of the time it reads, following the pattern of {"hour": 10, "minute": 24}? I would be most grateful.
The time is {"hour": 1, "minute": 28}
